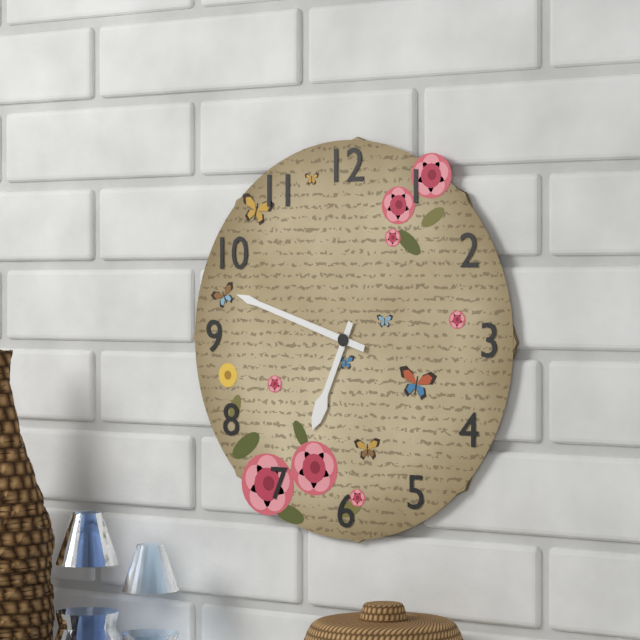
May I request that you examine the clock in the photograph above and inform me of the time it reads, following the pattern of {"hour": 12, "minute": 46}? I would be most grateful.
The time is {"hour": 6, "minute": 48}
